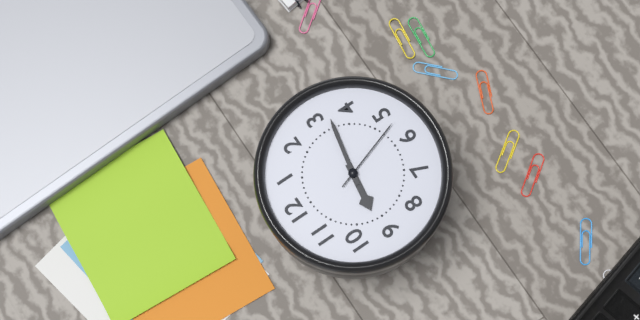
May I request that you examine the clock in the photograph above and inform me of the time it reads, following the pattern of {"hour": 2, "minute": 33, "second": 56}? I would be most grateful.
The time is {"hour": 9, "minute": 17, "second": 27}
